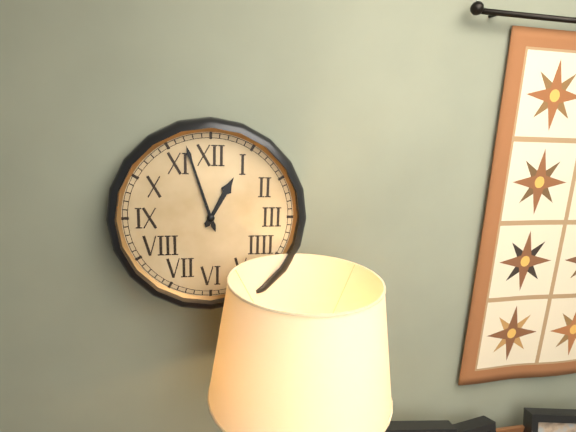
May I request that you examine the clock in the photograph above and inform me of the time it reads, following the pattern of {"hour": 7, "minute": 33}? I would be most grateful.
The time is {"hour": 12, "minute": 57}
